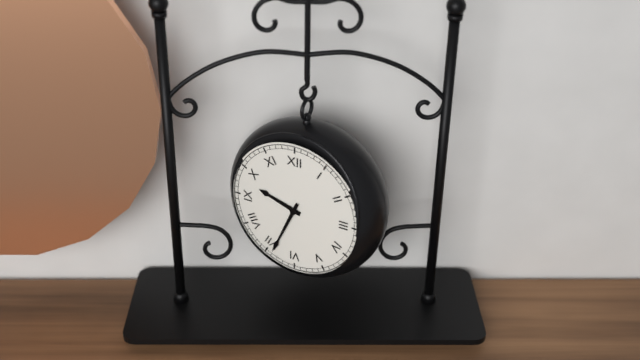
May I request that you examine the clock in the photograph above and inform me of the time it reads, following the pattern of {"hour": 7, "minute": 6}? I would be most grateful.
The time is {"hour": 9, "minute": 34}
